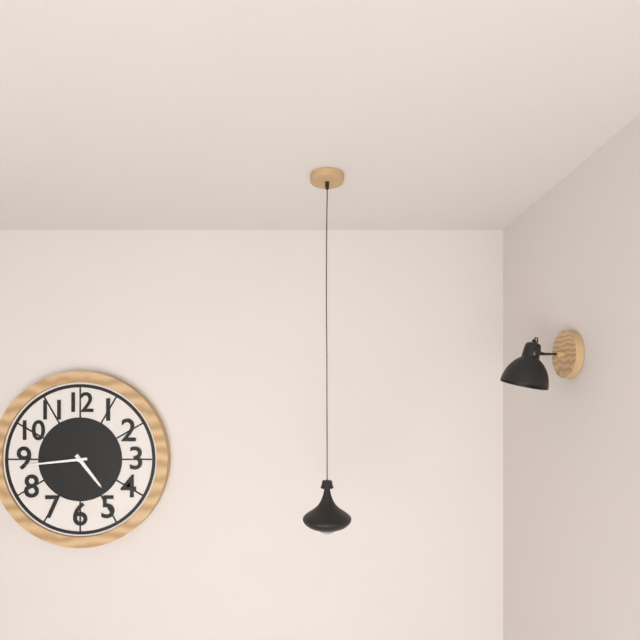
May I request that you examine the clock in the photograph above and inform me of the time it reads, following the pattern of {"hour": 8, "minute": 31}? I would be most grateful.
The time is {"hour": 4, "minute": 44}
